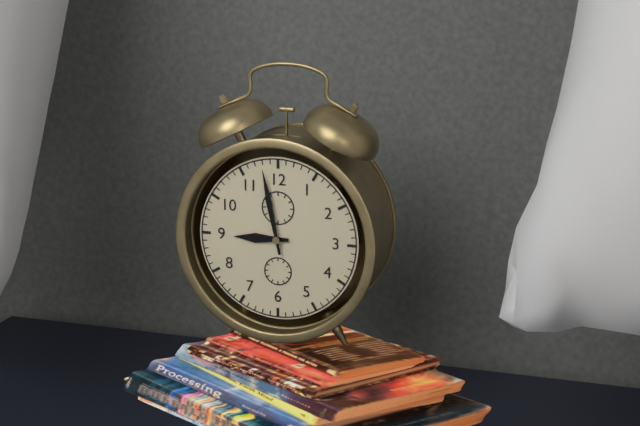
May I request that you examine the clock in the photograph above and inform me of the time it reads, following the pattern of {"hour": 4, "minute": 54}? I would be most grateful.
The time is {"hour": 8, "minute": 58}
